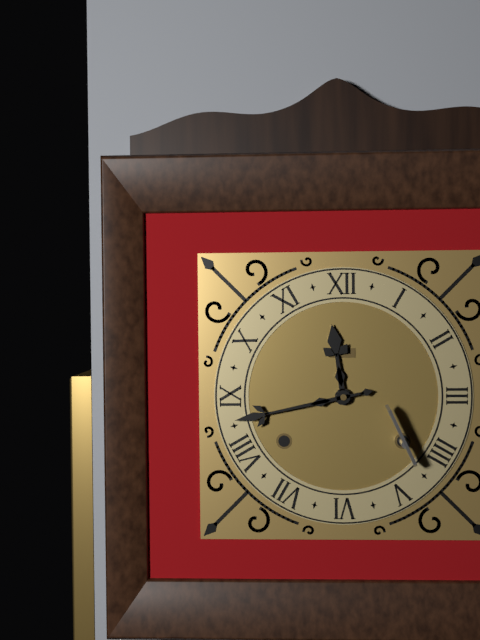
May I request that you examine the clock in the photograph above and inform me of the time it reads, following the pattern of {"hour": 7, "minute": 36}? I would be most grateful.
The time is {"hour": 11, "minute": 43}
